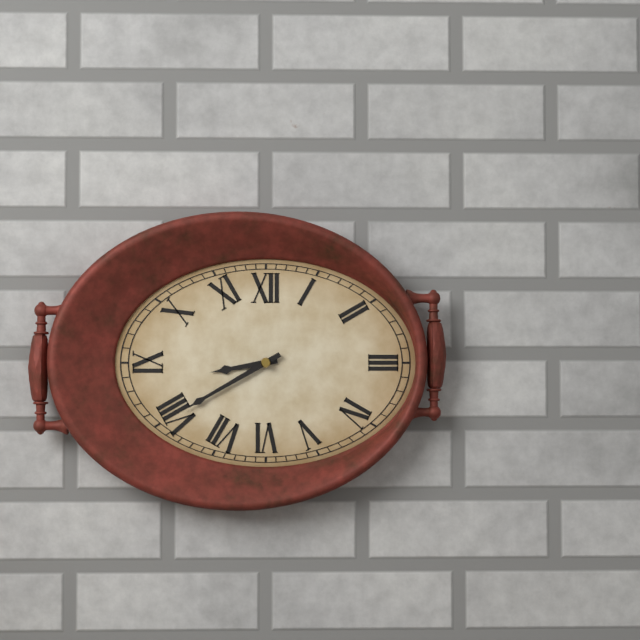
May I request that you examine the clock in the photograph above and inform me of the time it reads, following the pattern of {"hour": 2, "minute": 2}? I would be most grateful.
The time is {"hour": 8, "minute": 40}
